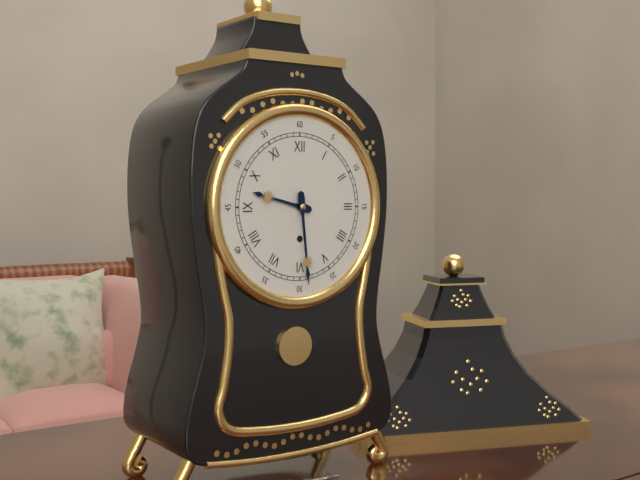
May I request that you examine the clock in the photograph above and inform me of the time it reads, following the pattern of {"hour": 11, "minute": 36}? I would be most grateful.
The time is {"hour": 9, "minute": 29}
